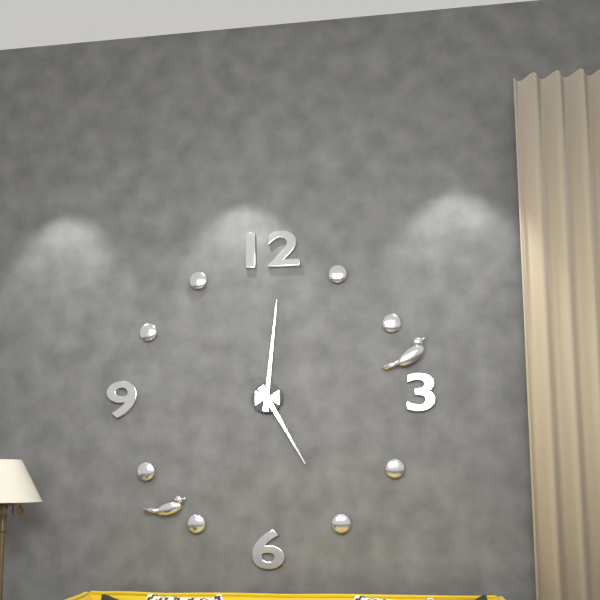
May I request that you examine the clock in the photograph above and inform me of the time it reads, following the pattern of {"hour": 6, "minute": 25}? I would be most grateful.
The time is {"hour": 5, "minute": 1}
